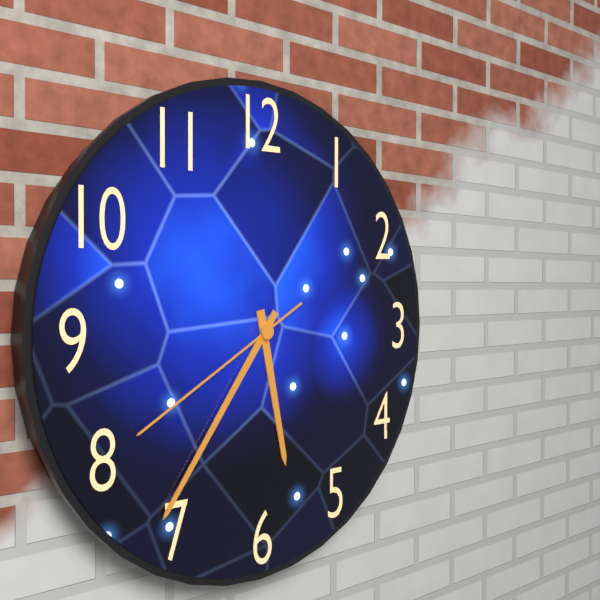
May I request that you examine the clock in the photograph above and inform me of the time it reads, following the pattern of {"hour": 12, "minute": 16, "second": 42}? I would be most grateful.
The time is {"hour": 5, "minute": 36, "second": 40}
